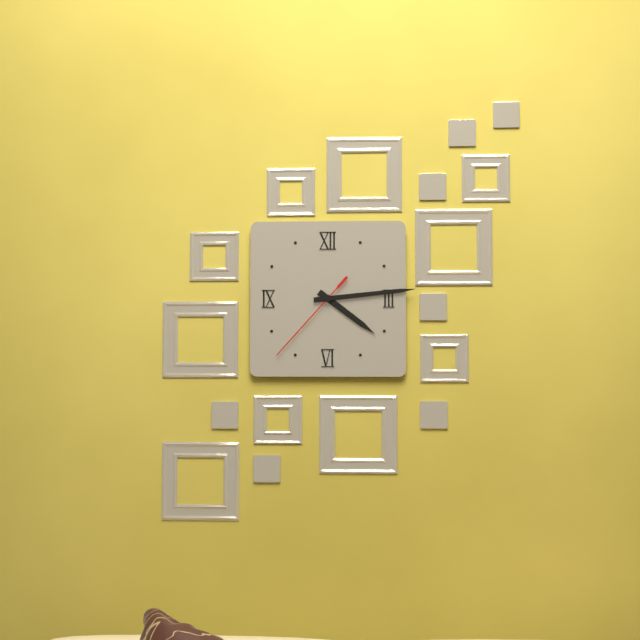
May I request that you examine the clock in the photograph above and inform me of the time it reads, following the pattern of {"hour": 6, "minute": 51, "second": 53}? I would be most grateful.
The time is {"hour": 4, "minute": 14, "second": 37}
